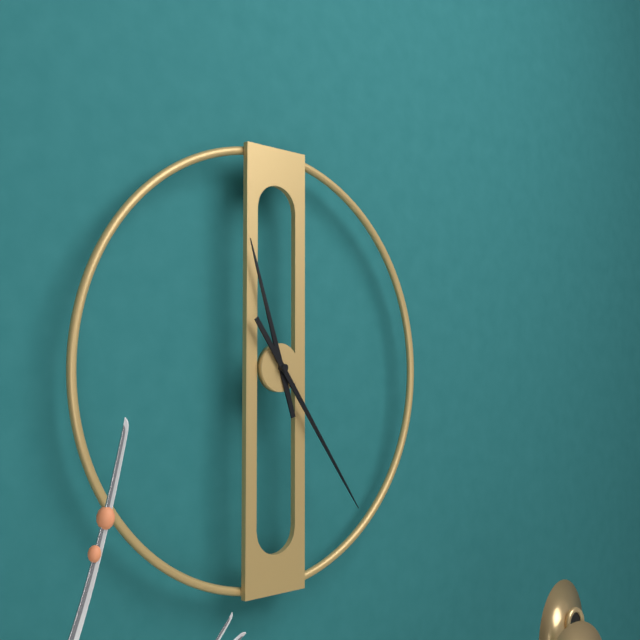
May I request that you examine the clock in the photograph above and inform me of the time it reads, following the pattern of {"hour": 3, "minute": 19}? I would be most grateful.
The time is {"hour": 11, "minute": 24}
